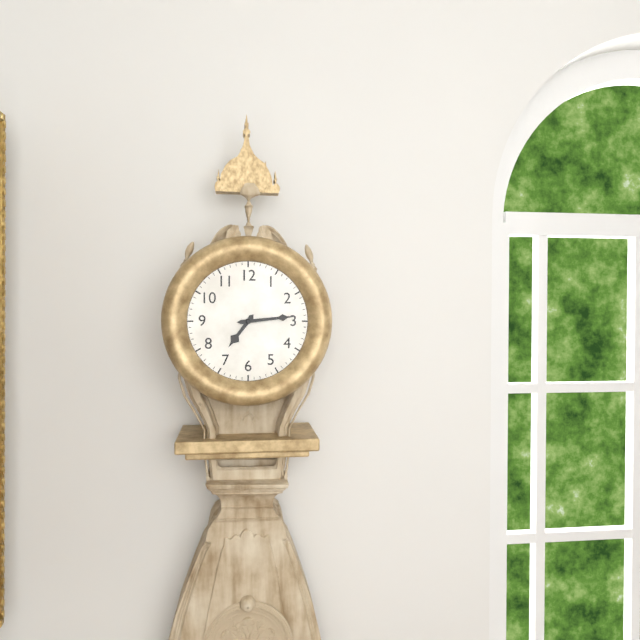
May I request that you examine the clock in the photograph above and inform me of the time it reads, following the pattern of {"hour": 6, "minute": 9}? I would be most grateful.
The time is {"hour": 7, "minute": 14}
